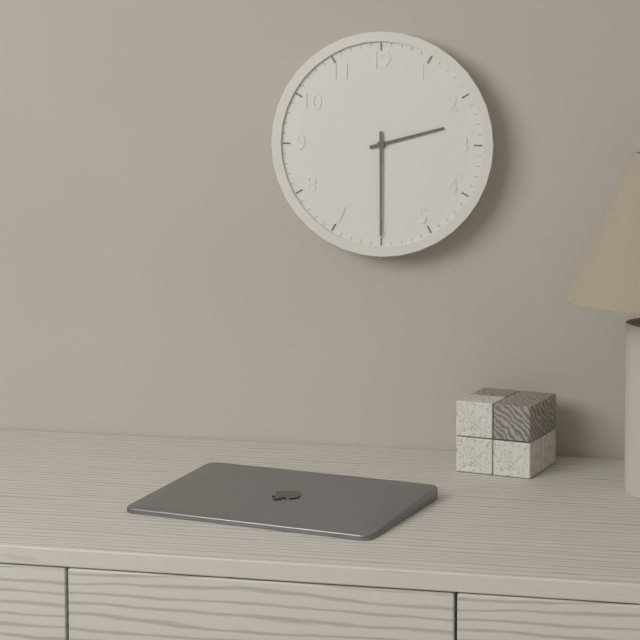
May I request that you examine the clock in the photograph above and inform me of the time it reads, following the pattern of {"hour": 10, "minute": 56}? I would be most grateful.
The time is {"hour": 2, "minute": 30}
